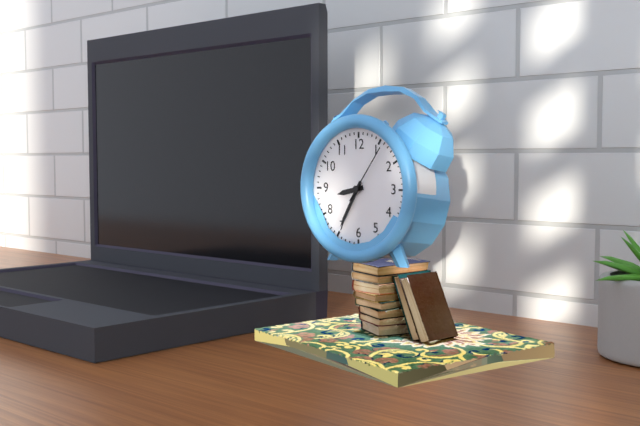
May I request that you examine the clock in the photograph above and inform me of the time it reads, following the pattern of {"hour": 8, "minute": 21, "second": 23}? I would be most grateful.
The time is {"hour": 8, "minute": 35, "second": 6}
